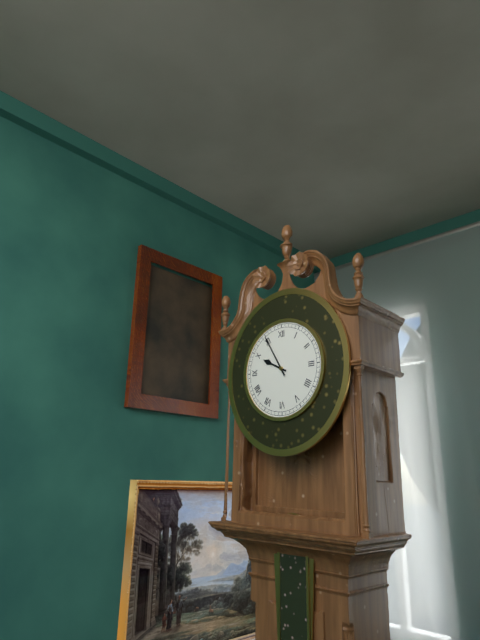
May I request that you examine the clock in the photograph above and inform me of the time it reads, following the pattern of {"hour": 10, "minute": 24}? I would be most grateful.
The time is {"hour": 9, "minute": 55}
